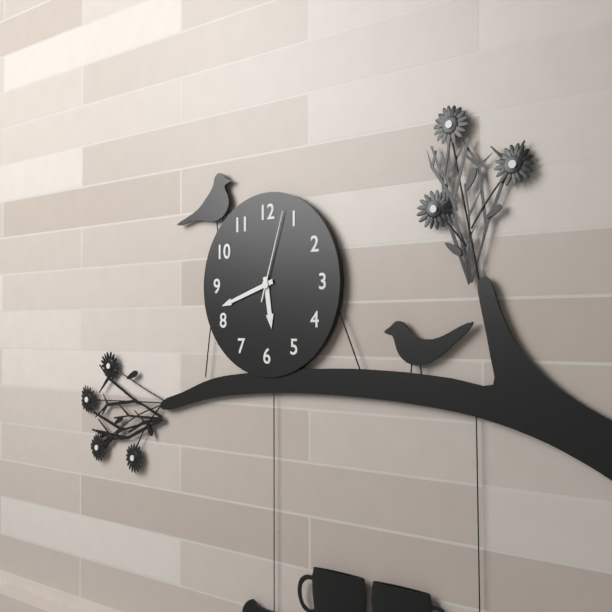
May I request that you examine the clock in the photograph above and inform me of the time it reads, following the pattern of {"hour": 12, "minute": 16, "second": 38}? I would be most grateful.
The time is {"hour": 5, "minute": 42, "second": 3}
